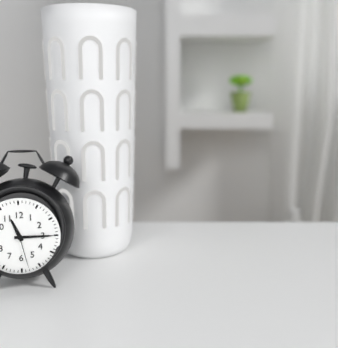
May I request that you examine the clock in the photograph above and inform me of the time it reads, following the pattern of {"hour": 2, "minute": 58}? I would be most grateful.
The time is {"hour": 11, "minute": 15}
